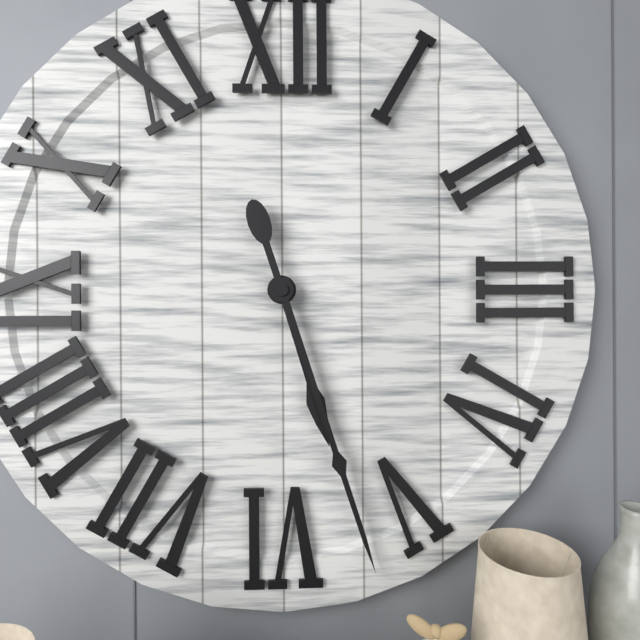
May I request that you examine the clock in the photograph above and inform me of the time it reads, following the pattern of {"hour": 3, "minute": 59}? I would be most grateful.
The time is {"hour": 5, "minute": 27}
